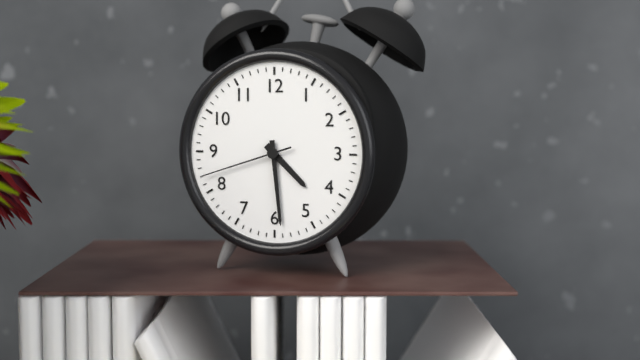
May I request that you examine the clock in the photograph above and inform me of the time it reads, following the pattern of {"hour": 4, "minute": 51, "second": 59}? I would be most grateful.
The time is {"hour": 4, "minute": 29, "second": 42}
